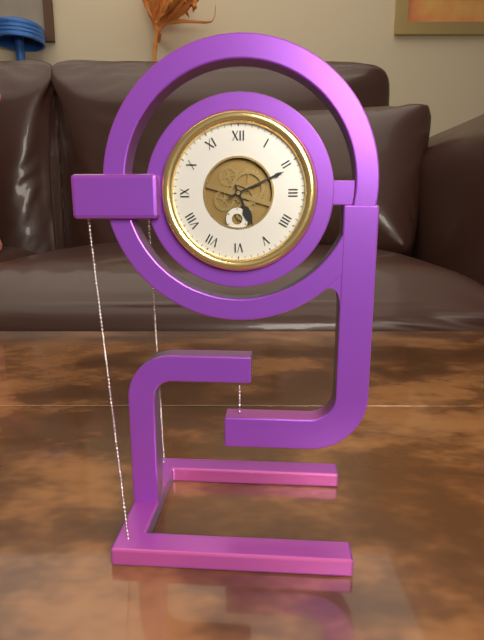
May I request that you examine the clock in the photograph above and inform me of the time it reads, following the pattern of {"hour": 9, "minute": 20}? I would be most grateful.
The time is {"hour": 5, "minute": 11}
